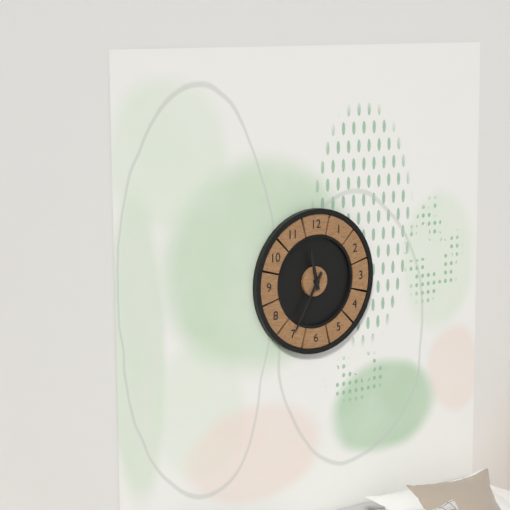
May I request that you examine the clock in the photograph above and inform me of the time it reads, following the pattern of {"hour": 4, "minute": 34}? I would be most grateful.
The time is {"hour": 11, "minute": 35}
